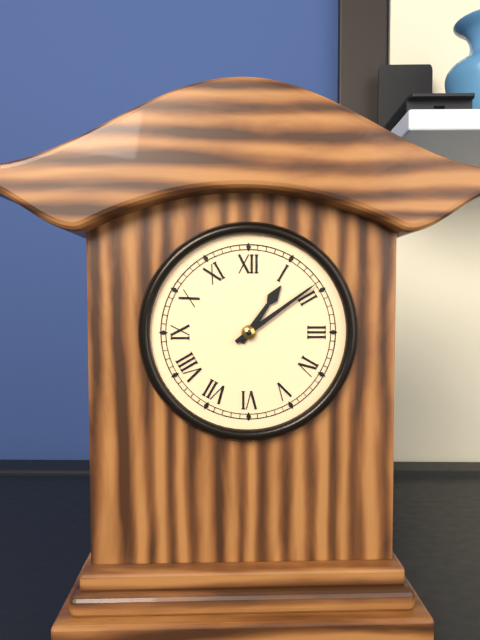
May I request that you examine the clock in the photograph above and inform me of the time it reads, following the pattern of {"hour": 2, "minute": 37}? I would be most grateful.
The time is {"hour": 1, "minute": 9}
